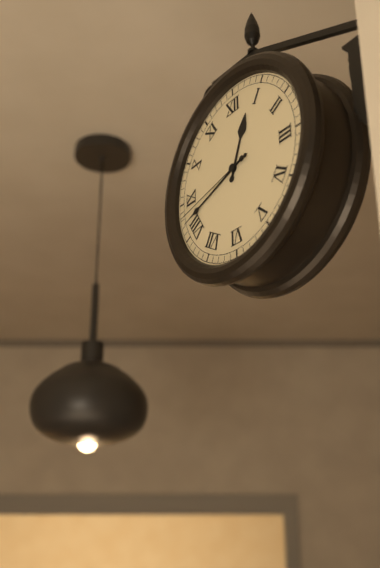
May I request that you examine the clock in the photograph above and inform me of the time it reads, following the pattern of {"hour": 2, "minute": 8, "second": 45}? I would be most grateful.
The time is {"hour": 12, "minute": 42, "second": 43}
